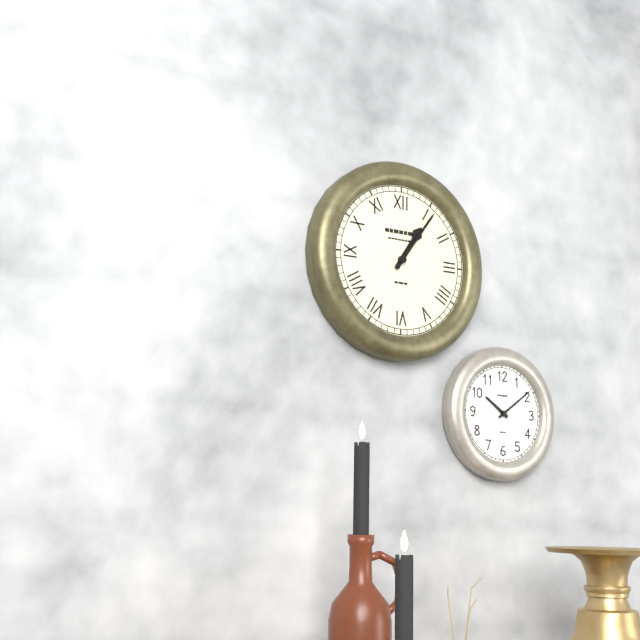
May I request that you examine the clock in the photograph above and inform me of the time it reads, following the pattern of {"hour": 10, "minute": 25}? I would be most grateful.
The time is {"hour": 1, "minute": 6}
